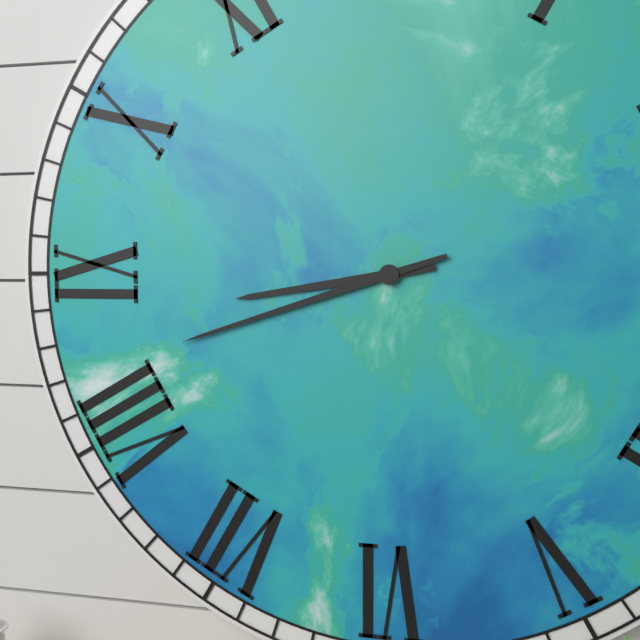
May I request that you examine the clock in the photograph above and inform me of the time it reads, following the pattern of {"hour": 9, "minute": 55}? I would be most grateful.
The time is {"hour": 8, "minute": 42}
